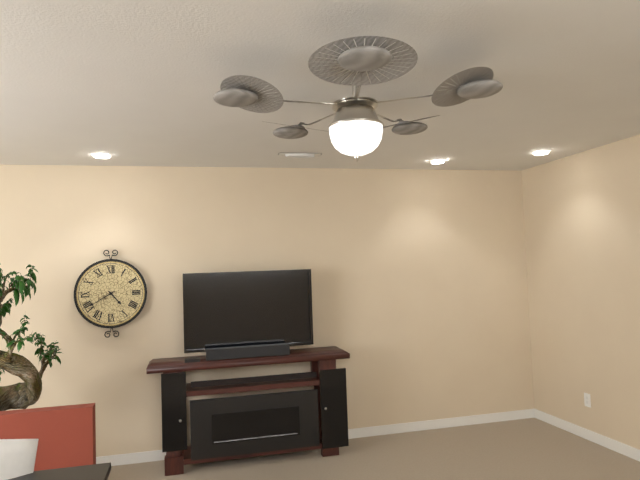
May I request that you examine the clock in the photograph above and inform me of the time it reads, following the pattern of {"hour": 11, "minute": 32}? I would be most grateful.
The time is {"hour": 4, "minute": 40}
